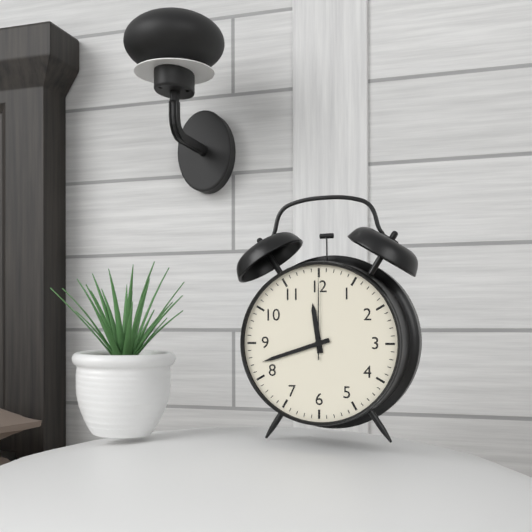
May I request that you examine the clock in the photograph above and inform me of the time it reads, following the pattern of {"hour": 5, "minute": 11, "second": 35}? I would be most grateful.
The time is {"hour": 11, "minute": 42, "second": 0}
